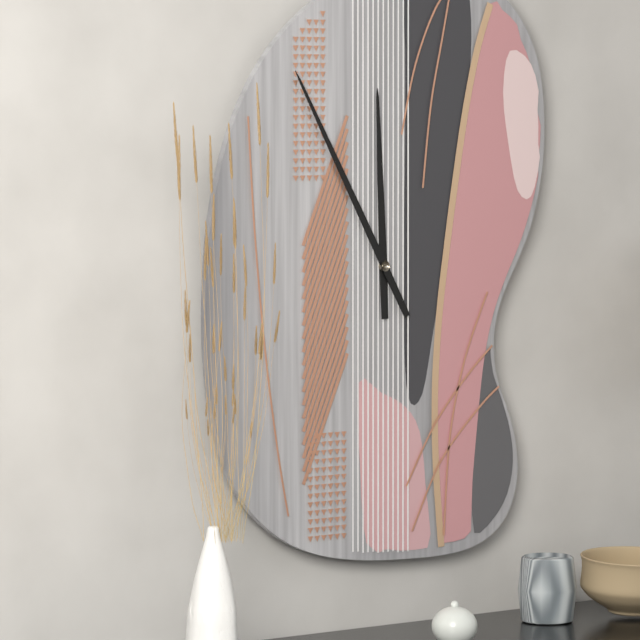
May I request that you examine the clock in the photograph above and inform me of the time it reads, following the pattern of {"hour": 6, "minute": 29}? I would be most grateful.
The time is {"hour": 11, "minute": 55}
